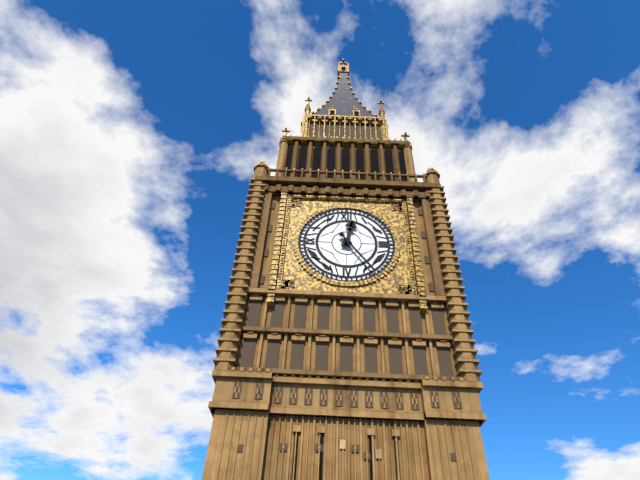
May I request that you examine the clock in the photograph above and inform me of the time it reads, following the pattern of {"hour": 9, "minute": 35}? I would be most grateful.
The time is {"hour": 12, "minute": 24}
